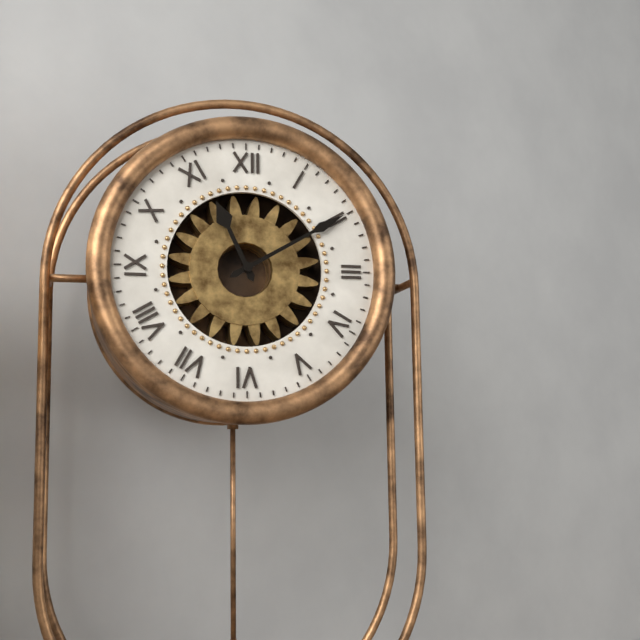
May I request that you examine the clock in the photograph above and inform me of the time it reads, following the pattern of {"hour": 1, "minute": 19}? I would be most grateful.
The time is {"hour": 11, "minute": 10}
